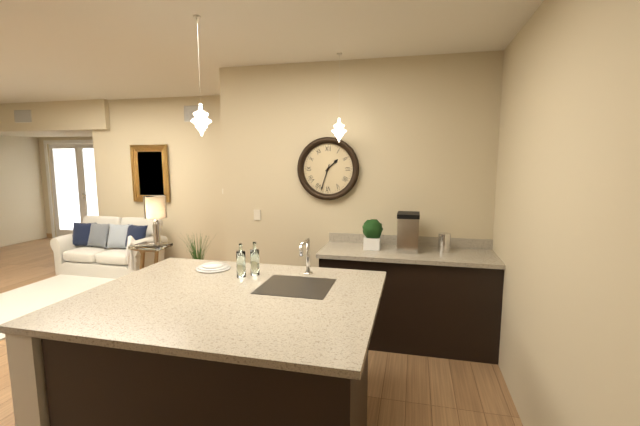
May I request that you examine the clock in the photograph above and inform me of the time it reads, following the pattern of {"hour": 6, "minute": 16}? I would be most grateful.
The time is {"hour": 1, "minute": 33}
